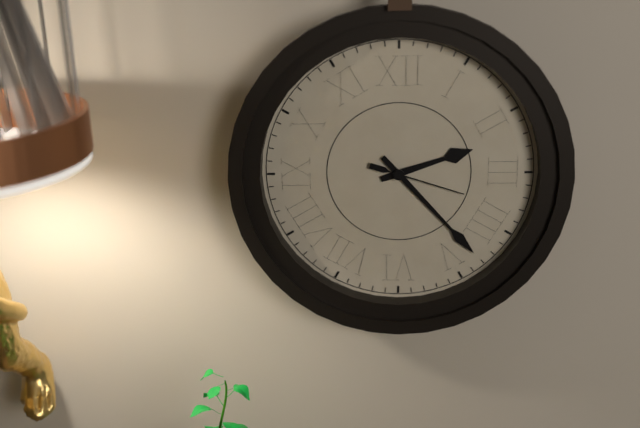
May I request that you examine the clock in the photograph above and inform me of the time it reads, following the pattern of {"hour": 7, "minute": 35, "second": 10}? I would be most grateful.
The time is {"hour": 2, "minute": 23, "second": 18}
